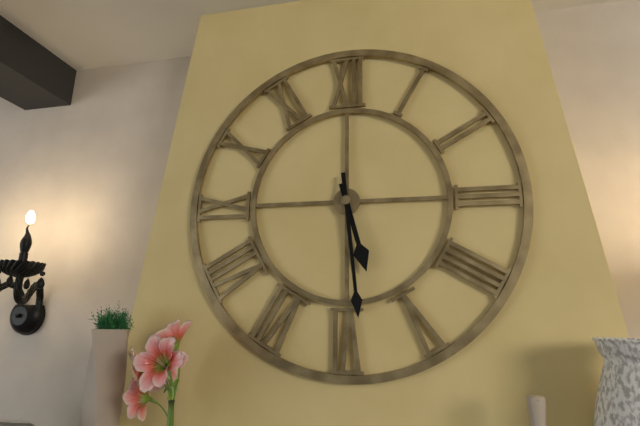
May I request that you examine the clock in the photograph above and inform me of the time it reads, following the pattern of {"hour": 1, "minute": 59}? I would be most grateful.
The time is {"hour": 5, "minute": 29}
